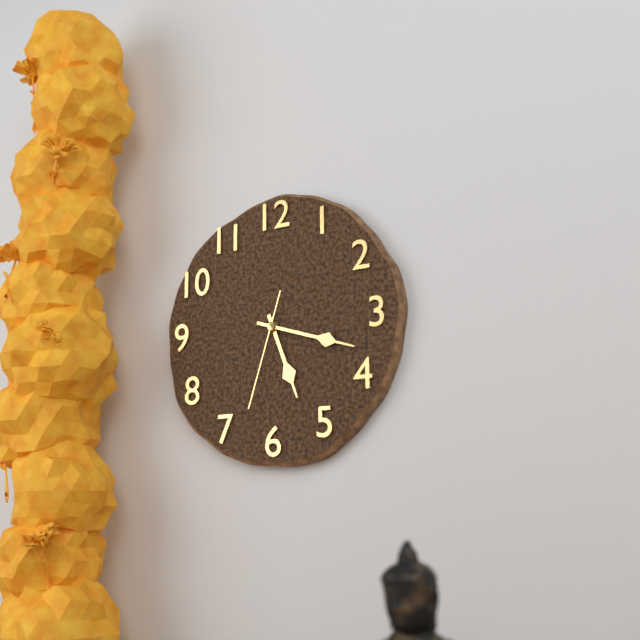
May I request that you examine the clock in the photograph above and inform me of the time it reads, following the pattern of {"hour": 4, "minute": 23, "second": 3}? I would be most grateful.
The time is {"hour": 5, "minute": 18, "second": 33}
